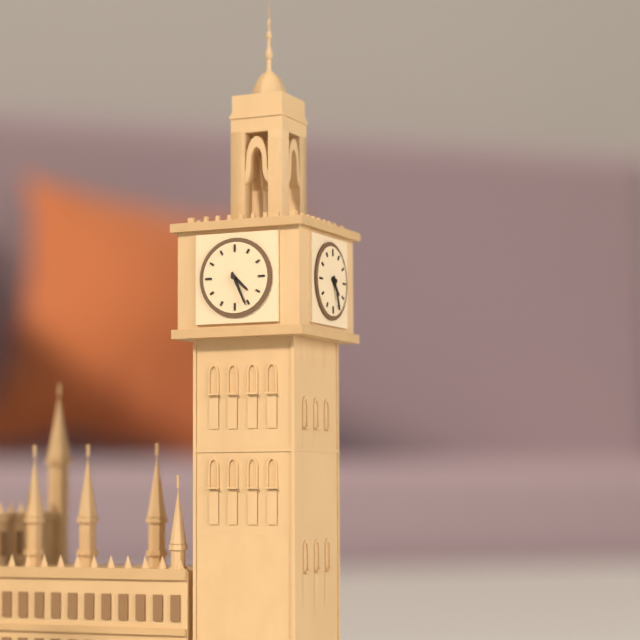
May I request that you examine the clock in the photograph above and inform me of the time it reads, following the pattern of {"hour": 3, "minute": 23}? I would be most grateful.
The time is {"hour": 4, "minute": 26}
